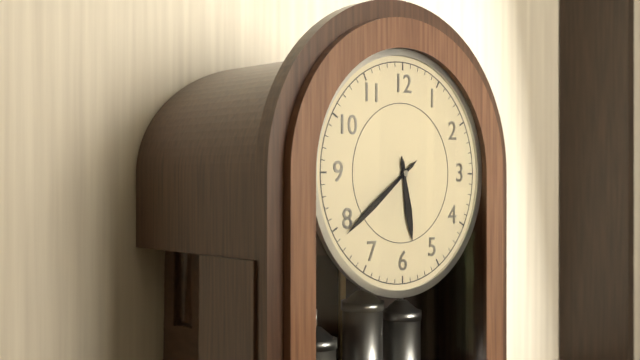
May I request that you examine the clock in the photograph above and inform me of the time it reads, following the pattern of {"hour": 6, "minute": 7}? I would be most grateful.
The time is {"hour": 5, "minute": 39}
